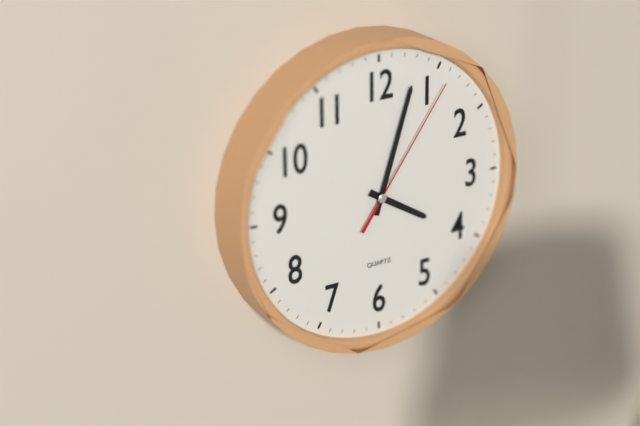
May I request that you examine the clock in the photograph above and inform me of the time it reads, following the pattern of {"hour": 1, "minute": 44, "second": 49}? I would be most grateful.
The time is {"hour": 4, "minute": 3, "second": 6}
